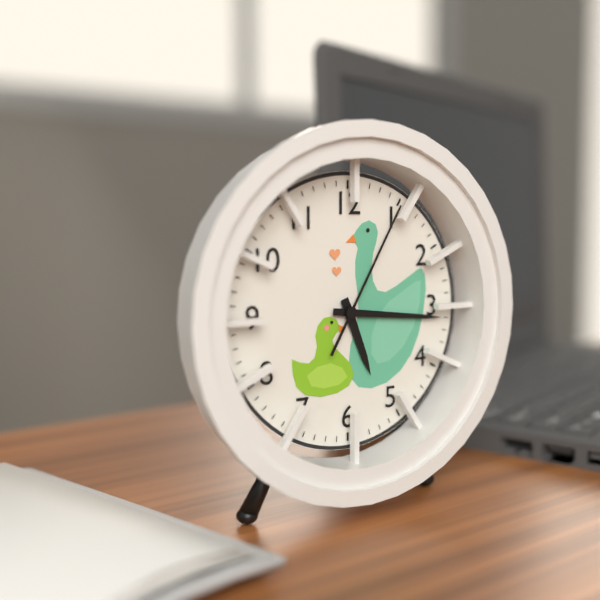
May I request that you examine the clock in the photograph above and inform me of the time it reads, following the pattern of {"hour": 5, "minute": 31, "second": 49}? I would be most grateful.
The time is {"hour": 5, "minute": 16, "second": 5}
